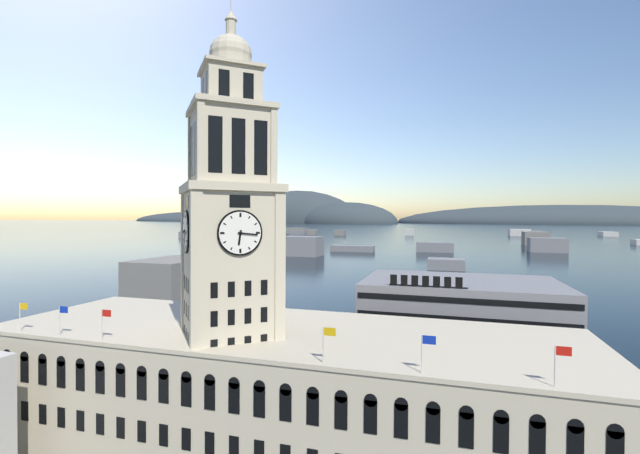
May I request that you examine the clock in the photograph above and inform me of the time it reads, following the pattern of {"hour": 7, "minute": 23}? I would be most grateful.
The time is {"hour": 6, "minute": 16}
